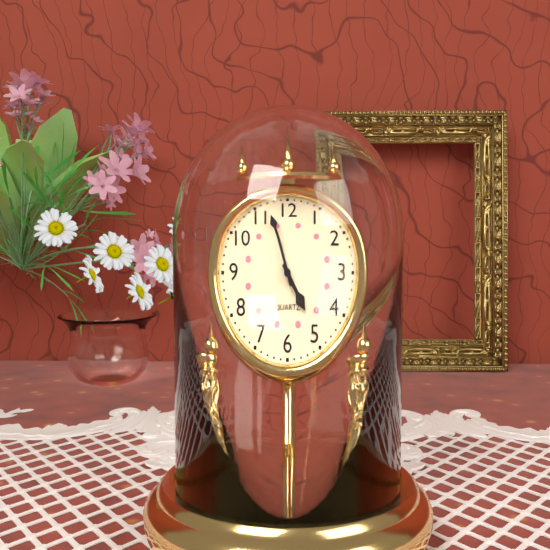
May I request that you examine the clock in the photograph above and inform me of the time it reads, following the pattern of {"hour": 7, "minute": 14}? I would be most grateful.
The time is {"hour": 4, "minute": 57}
